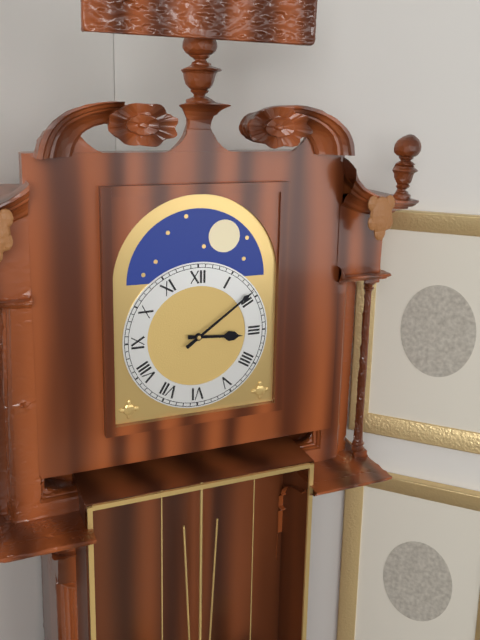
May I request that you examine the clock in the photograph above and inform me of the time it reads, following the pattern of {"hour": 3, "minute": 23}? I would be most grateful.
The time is {"hour": 3, "minute": 9}
